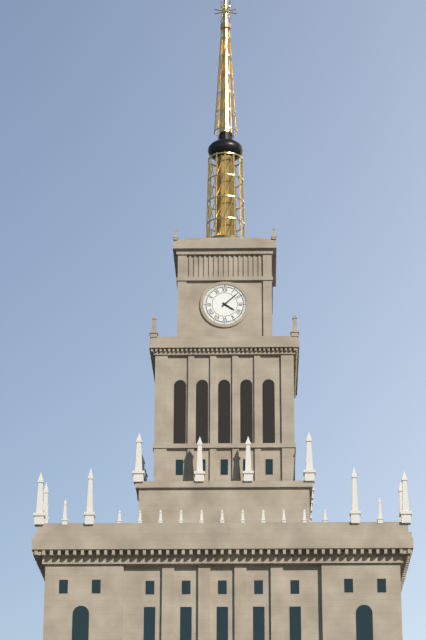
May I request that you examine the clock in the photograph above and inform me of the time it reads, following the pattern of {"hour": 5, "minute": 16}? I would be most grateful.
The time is {"hour": 4, "minute": 8}
